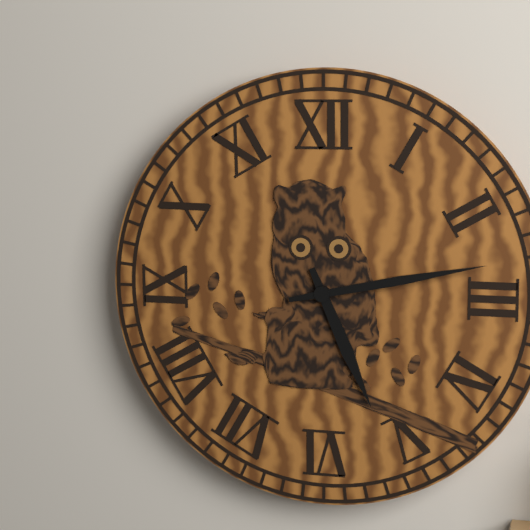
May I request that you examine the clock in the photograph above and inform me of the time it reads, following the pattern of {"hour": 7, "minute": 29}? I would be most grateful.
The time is {"hour": 5, "minute": 13}
